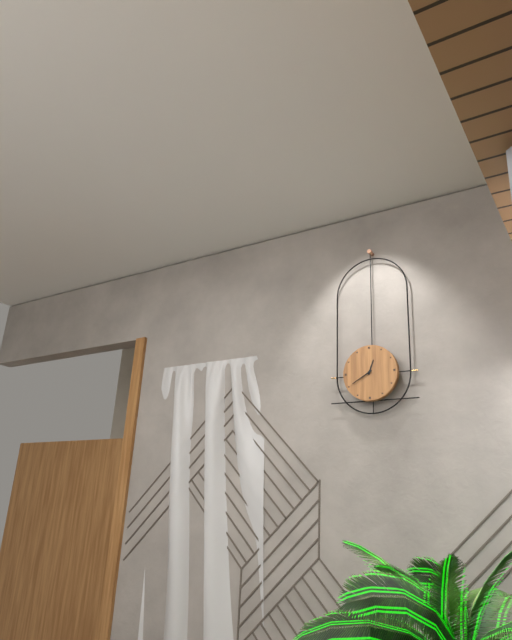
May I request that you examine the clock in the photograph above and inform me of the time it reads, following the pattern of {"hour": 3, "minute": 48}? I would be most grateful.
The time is {"hour": 12, "minute": 40}
